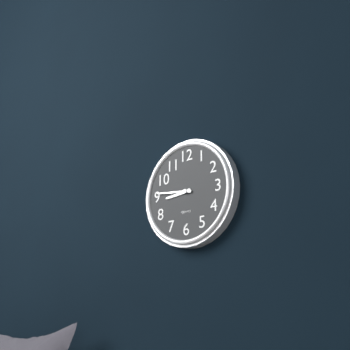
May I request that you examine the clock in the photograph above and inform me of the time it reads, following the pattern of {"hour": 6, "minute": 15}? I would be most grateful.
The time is {"hour": 8, "minute": 46}
